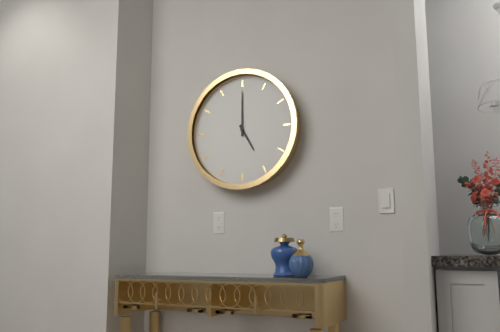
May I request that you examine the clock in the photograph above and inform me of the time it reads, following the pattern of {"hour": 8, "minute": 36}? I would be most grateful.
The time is {"hour": 5, "minute": 0}
